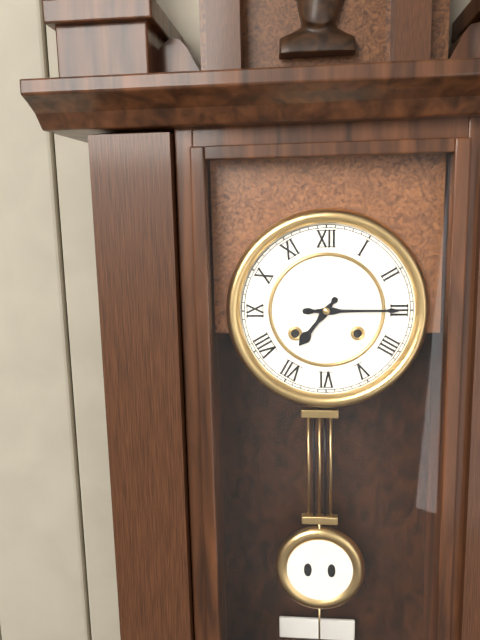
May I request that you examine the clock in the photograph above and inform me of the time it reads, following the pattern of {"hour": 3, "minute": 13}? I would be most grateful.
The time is {"hour": 7, "minute": 15}
